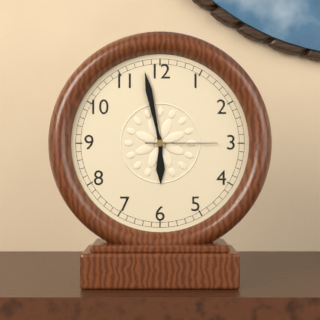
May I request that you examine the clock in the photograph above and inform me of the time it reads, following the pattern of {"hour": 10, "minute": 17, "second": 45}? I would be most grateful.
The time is {"hour": 5, "minute": 58, "second": 15}
